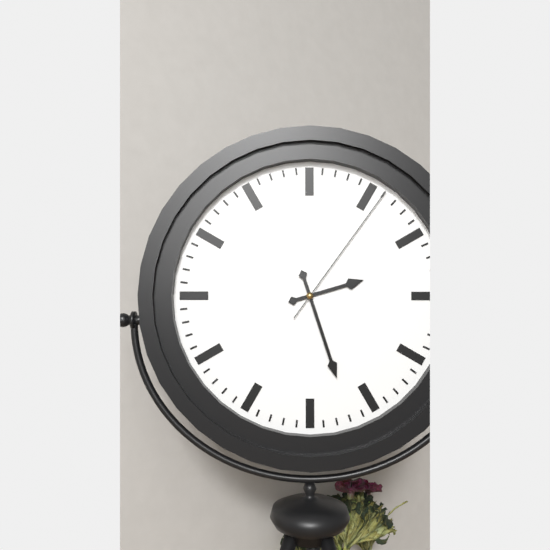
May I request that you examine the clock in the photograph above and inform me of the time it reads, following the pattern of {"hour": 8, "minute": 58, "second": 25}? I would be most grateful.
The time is {"hour": 2, "minute": 27, "second": 6}
